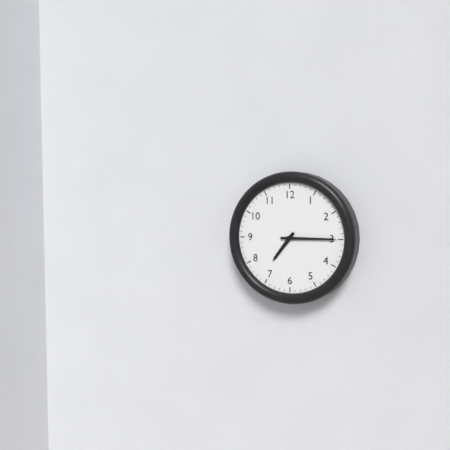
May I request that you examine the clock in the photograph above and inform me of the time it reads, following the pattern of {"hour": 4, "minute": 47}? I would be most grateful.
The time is {"hour": 7, "minute": 15}
